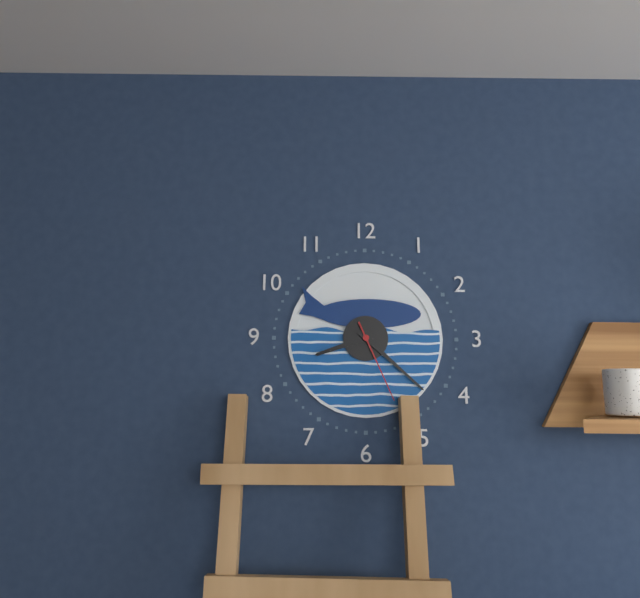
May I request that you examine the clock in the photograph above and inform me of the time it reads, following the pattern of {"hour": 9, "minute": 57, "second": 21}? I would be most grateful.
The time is {"hour": 8, "minute": 22, "second": 26}
